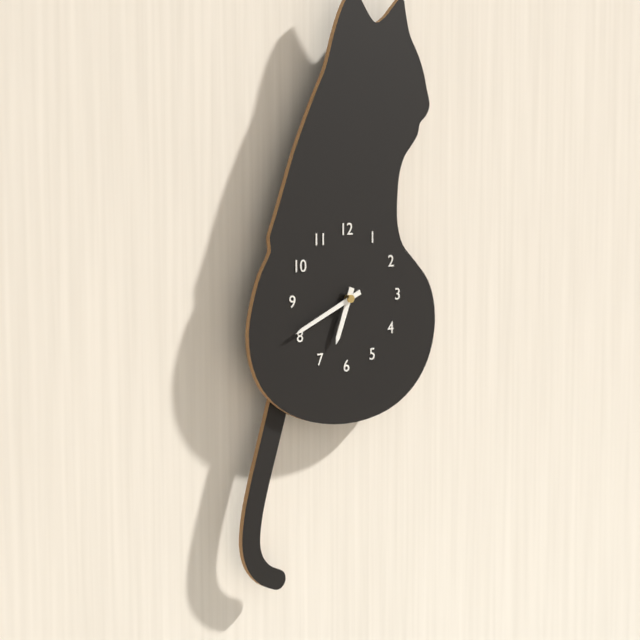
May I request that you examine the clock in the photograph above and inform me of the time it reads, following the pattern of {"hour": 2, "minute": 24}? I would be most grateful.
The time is {"hour": 6, "minute": 41}
